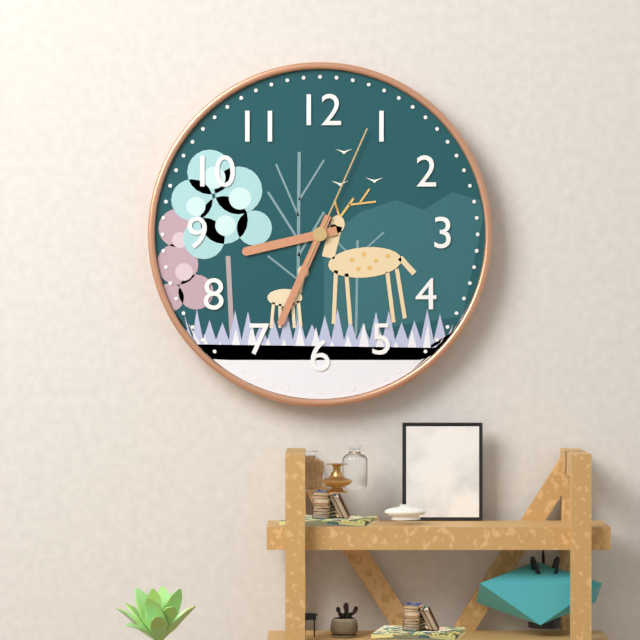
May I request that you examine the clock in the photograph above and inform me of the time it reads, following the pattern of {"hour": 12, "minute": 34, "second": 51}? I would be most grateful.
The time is {"hour": 8, "minute": 34, "second": 4}
